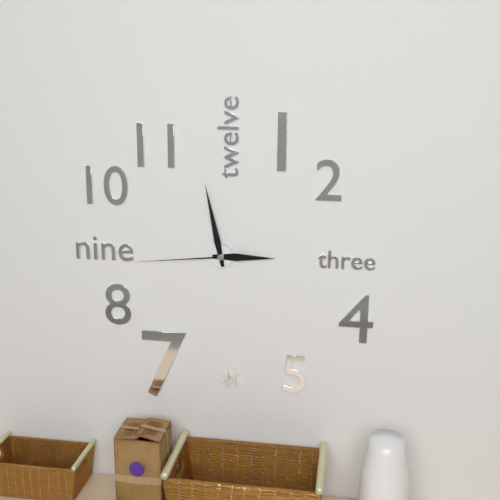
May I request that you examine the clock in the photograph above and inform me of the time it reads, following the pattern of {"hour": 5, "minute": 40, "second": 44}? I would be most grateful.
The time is {"hour": 2, "minute": 58, "second": 44}
